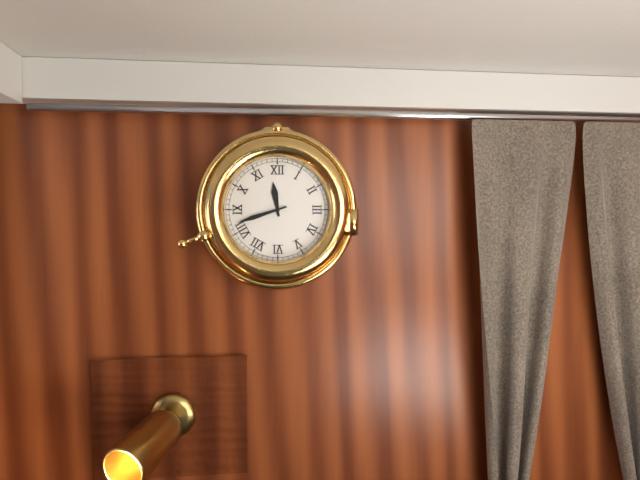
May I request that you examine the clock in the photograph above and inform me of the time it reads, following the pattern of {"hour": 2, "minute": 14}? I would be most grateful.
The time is {"hour": 11, "minute": 42}
